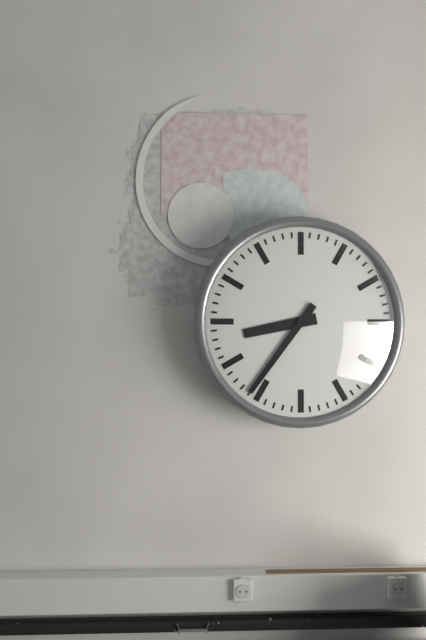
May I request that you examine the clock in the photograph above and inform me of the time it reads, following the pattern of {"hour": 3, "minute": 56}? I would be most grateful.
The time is {"hour": 8, "minute": 36}
